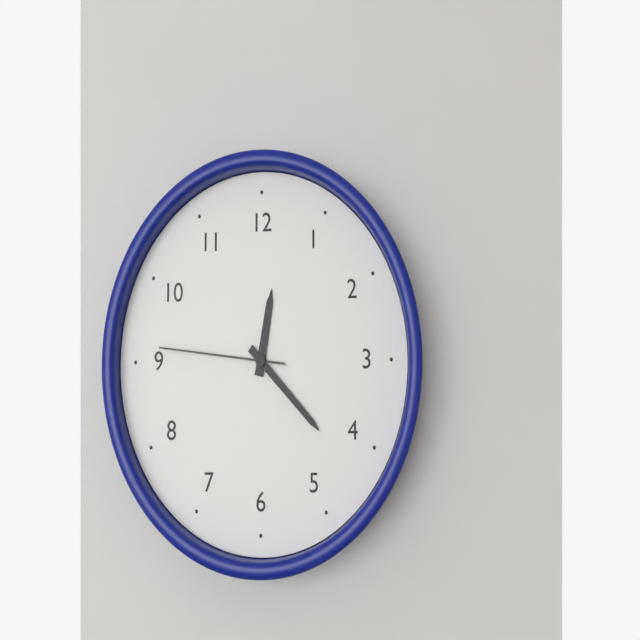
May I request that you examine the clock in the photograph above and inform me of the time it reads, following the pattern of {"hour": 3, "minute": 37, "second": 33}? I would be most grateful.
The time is {"hour": 12, "minute": 22, "second": 46}
